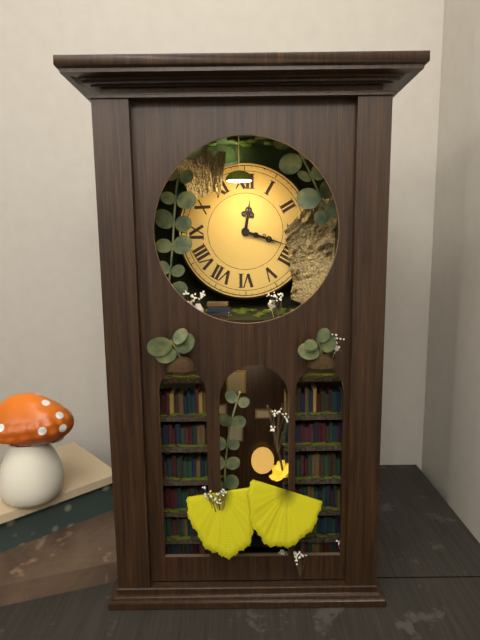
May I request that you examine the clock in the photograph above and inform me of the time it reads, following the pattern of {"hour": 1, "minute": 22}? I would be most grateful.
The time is {"hour": 12, "minute": 18}
